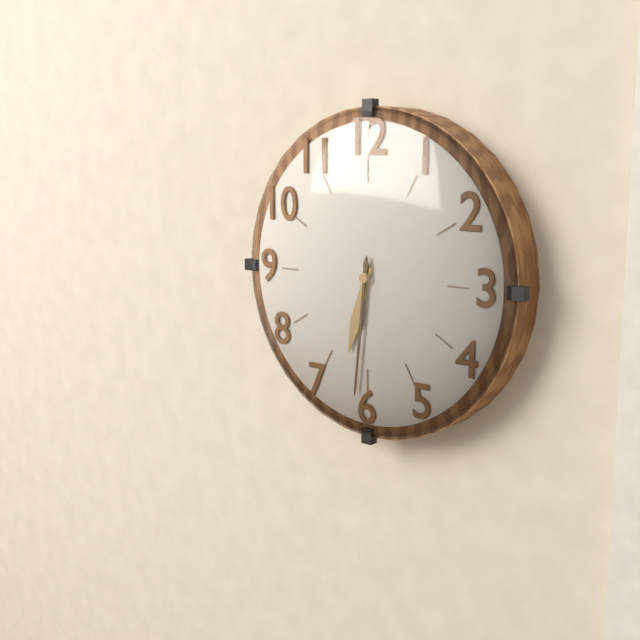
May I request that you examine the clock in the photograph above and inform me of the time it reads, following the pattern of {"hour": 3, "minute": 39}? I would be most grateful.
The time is {"hour": 6, "minute": 31}
